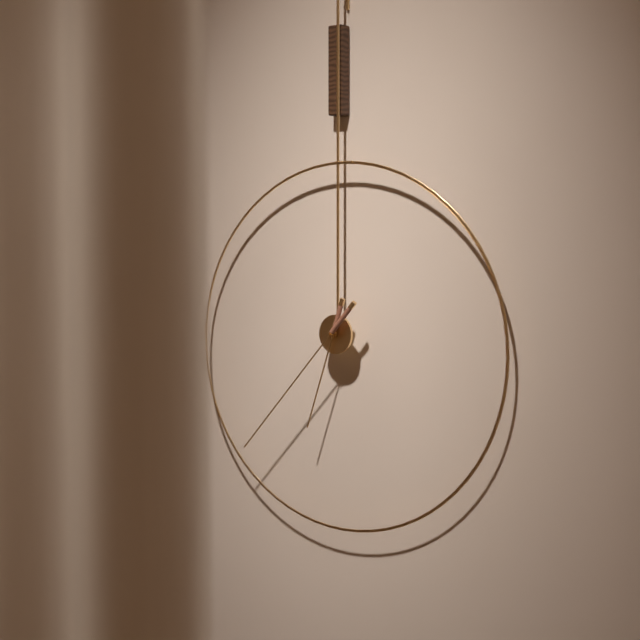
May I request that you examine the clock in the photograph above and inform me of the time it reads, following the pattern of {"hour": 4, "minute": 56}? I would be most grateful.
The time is {"hour": 6, "minute": 37}
